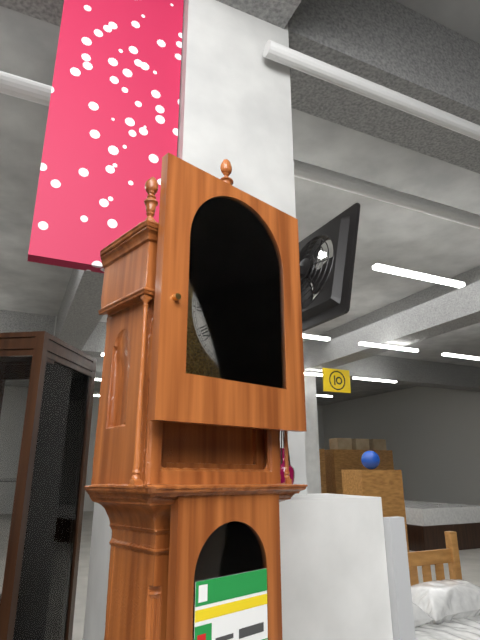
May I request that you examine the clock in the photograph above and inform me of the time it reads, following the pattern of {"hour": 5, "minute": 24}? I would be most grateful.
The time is {"hour": 12, "minute": 51}
